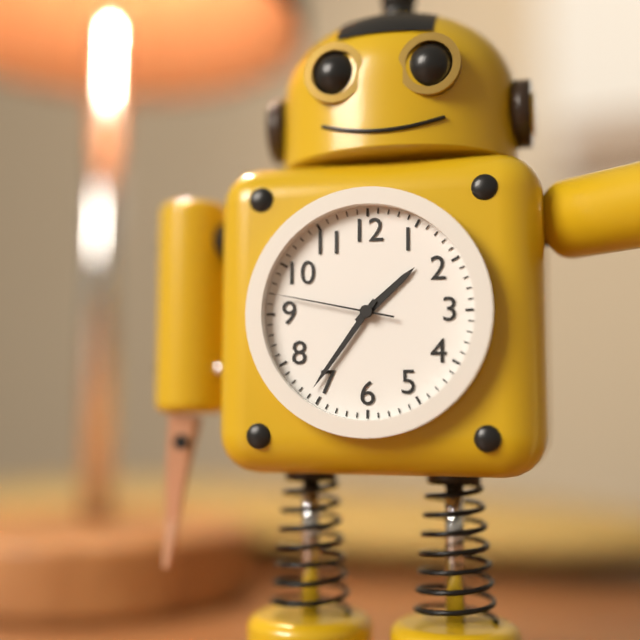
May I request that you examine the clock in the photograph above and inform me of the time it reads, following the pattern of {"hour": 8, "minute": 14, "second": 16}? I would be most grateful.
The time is {"hour": 1, "minute": 36, "second": 47}
